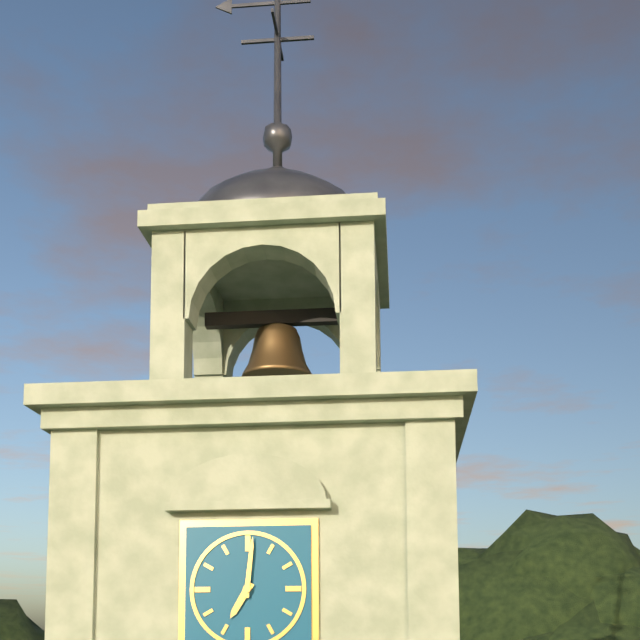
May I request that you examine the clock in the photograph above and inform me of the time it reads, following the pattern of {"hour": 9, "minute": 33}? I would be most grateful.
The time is {"hour": 7, "minute": 1}
